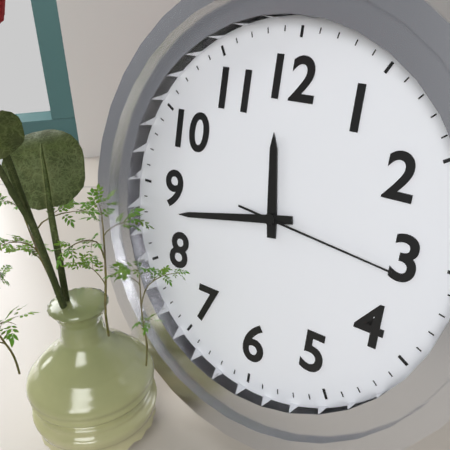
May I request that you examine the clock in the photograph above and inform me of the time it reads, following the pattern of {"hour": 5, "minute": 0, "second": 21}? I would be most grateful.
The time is {"hour": 11, "minute": 43, "second": 16}
